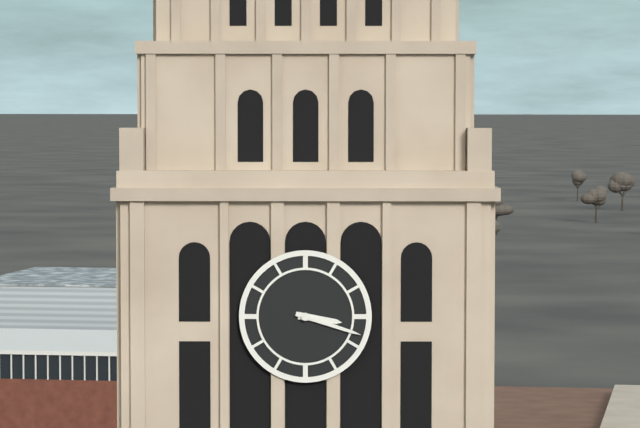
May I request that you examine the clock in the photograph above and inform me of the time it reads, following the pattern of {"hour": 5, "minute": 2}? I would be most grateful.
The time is {"hour": 3, "minute": 18}
